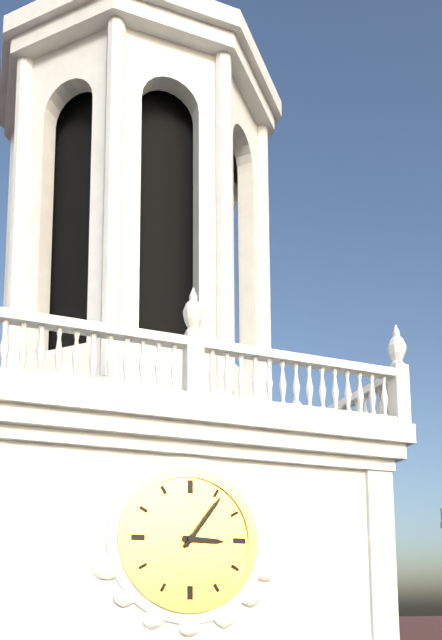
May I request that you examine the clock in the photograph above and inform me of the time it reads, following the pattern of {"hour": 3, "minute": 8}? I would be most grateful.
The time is {"hour": 3, "minute": 6}
